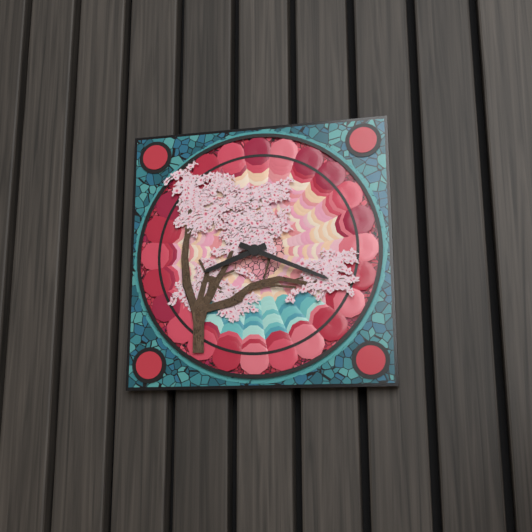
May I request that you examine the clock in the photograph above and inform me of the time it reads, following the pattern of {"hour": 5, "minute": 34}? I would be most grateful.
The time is {"hour": 8, "minute": 19}
